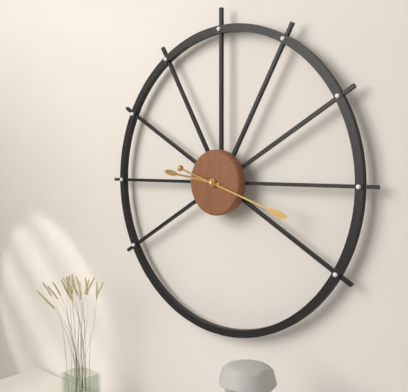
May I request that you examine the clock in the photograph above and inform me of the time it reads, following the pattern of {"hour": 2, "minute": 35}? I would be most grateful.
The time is {"hour": 9, "minute": 18}
